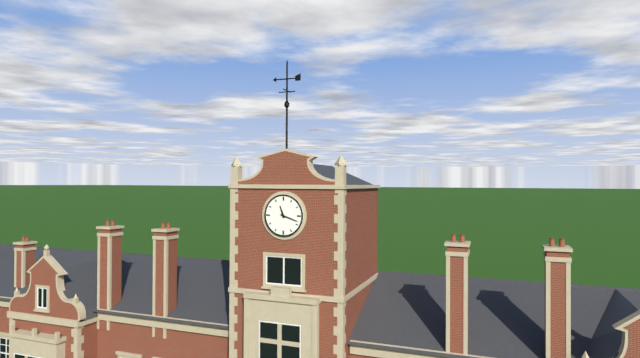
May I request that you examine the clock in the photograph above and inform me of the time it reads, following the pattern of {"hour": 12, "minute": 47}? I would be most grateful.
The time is {"hour": 11, "minute": 18}
